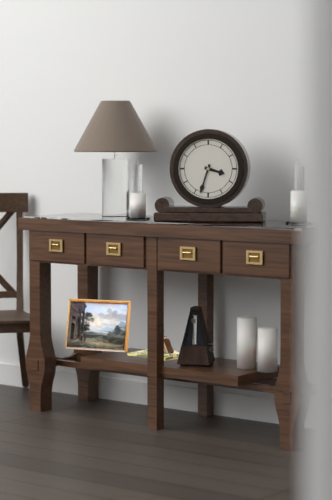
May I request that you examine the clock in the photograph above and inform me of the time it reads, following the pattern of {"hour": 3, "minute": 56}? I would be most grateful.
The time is {"hour": 3, "minute": 33}
